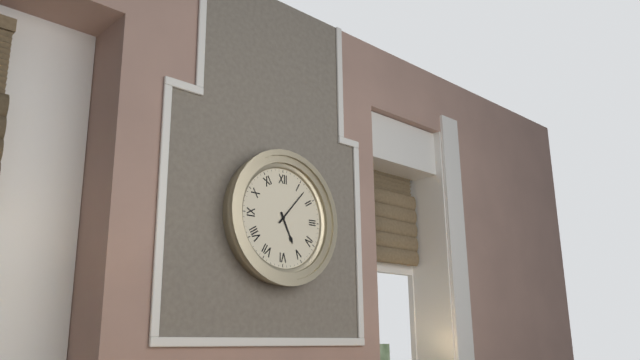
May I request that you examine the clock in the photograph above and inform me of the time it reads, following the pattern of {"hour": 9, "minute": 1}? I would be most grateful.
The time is {"hour": 5, "minute": 7}
